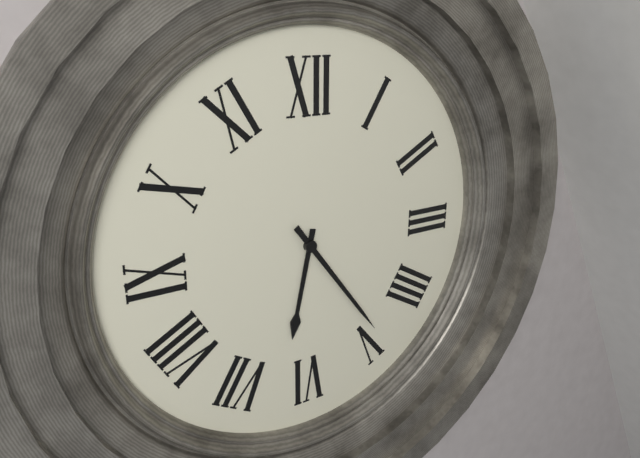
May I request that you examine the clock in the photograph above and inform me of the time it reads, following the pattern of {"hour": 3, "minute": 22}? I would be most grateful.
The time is {"hour": 6, "minute": 24}
